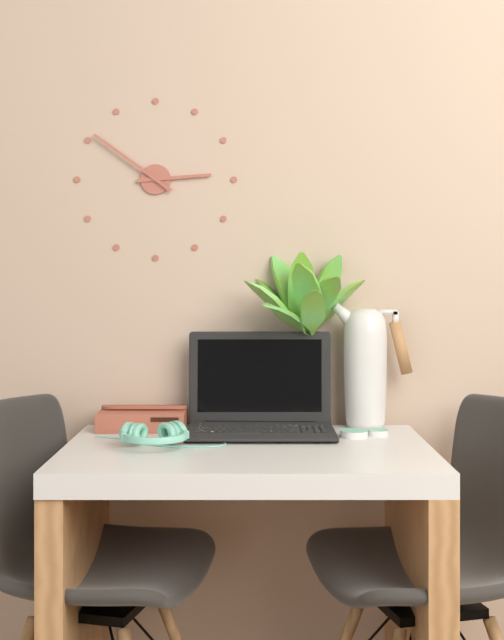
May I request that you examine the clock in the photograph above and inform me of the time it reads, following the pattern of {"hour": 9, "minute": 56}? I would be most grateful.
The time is {"hour": 2, "minute": 51}
